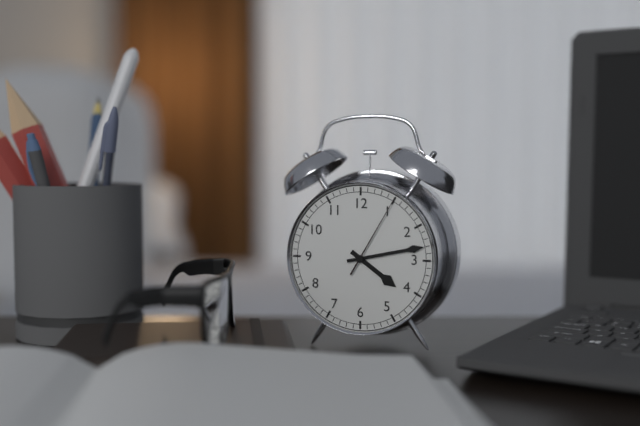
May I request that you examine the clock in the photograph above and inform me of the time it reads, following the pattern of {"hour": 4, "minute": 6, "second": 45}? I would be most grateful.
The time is {"hour": 4, "minute": 13, "second": 5}
